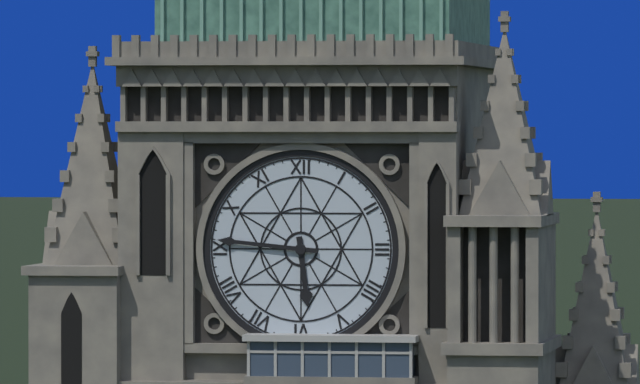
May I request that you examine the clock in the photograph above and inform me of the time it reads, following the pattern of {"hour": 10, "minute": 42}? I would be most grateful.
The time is {"hour": 5, "minute": 46}
